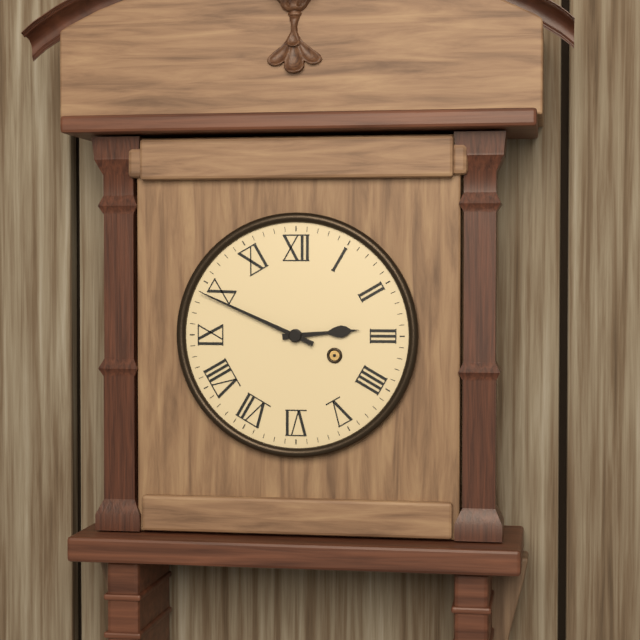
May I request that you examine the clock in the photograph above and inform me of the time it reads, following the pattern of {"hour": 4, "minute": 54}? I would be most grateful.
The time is {"hour": 2, "minute": 49}
